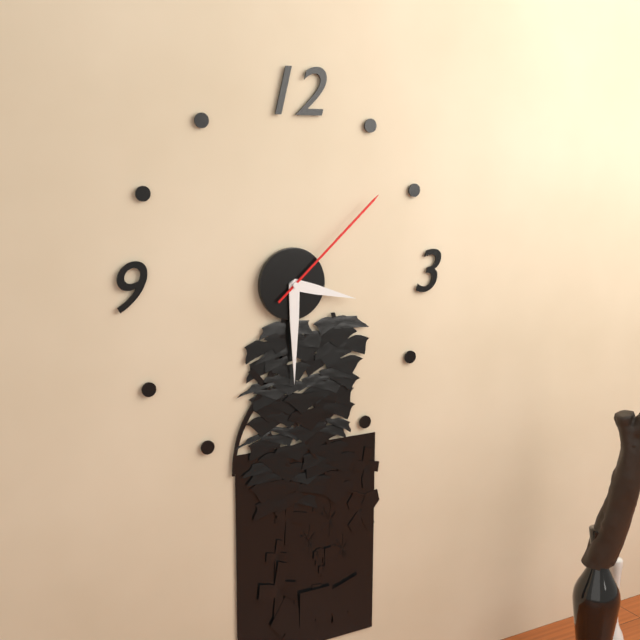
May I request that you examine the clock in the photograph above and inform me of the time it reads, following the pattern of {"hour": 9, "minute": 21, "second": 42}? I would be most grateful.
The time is {"hour": 3, "minute": 30, "second": 8}
